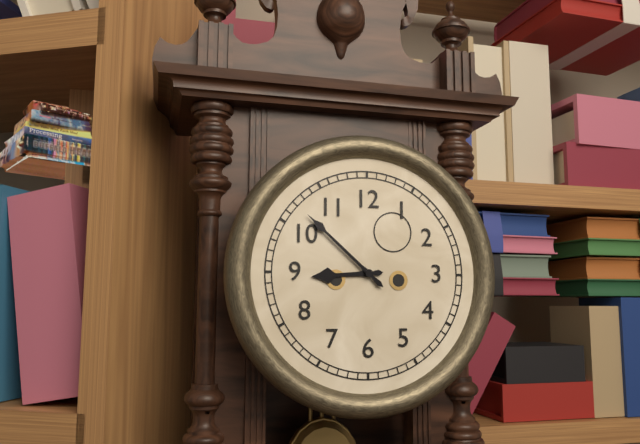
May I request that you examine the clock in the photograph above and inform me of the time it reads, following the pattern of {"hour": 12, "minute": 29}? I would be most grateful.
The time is {"hour": 8, "minute": 52}
